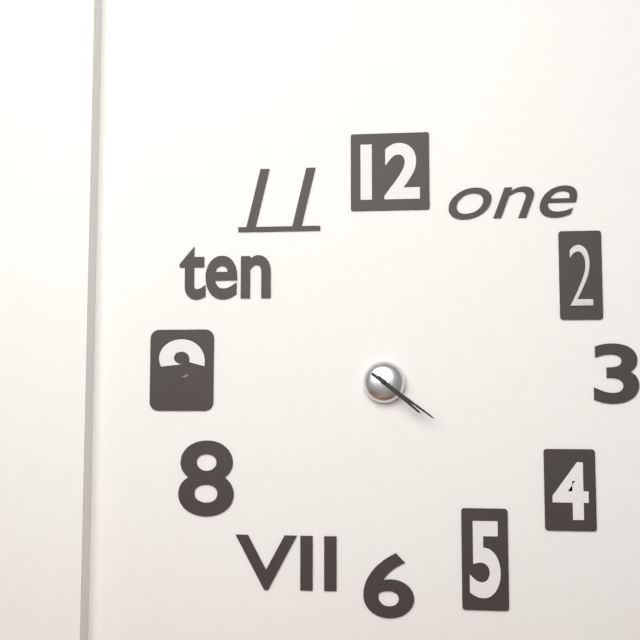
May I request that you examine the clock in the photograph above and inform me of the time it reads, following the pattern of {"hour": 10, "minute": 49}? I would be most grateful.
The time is {"hour": 4, "minute": 21}
